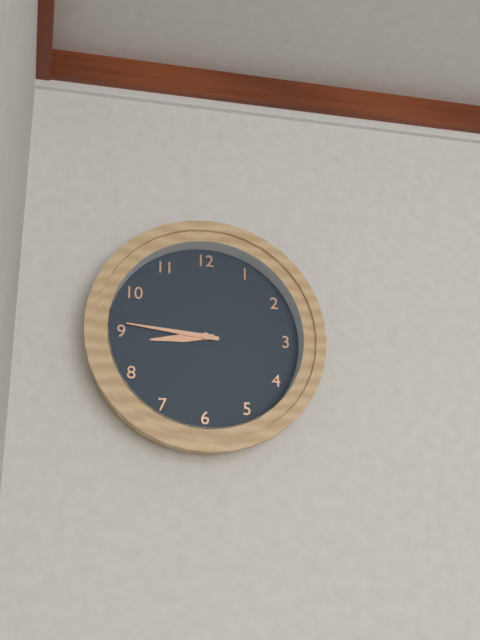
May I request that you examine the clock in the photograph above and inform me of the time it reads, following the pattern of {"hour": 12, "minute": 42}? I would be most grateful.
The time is {"hour": 8, "minute": 46}
